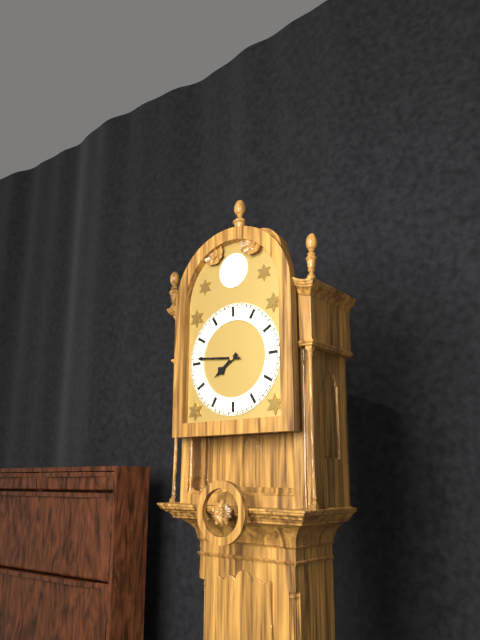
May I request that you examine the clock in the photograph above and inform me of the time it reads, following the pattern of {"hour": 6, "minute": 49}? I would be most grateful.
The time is {"hour": 7, "minute": 46}
